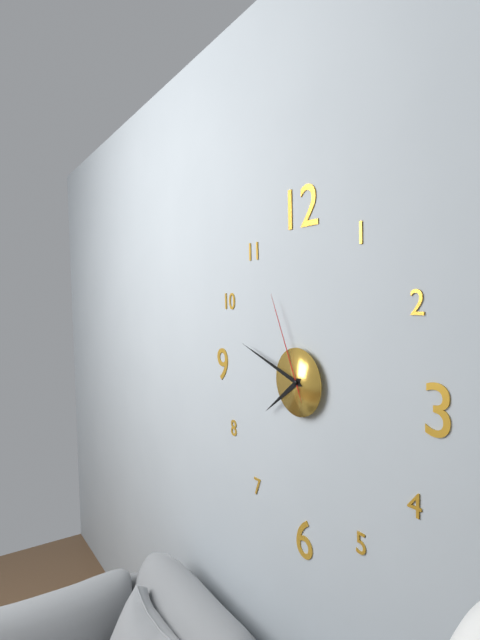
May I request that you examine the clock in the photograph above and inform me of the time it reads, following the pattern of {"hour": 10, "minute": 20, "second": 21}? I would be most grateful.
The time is {"hour": 7, "minute": 48, "second": 56}
